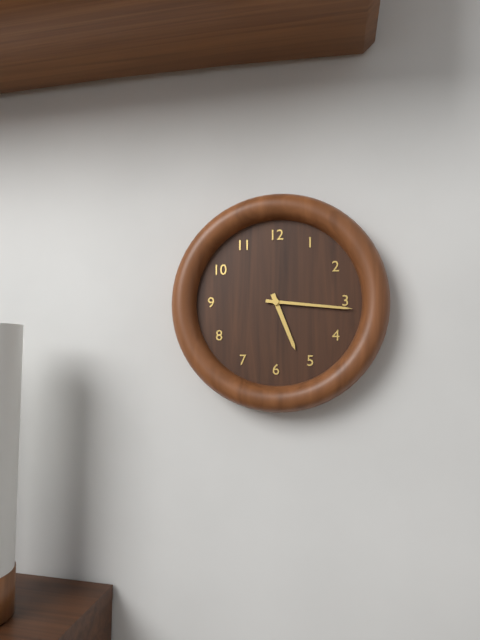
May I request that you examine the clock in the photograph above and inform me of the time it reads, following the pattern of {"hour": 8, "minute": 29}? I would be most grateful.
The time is {"hour": 5, "minute": 16}
